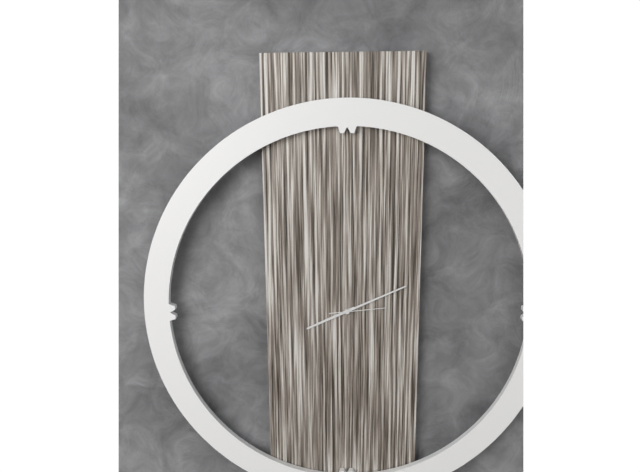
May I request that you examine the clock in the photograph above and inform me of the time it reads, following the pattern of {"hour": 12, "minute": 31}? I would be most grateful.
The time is {"hour": 8, "minute": 11}
